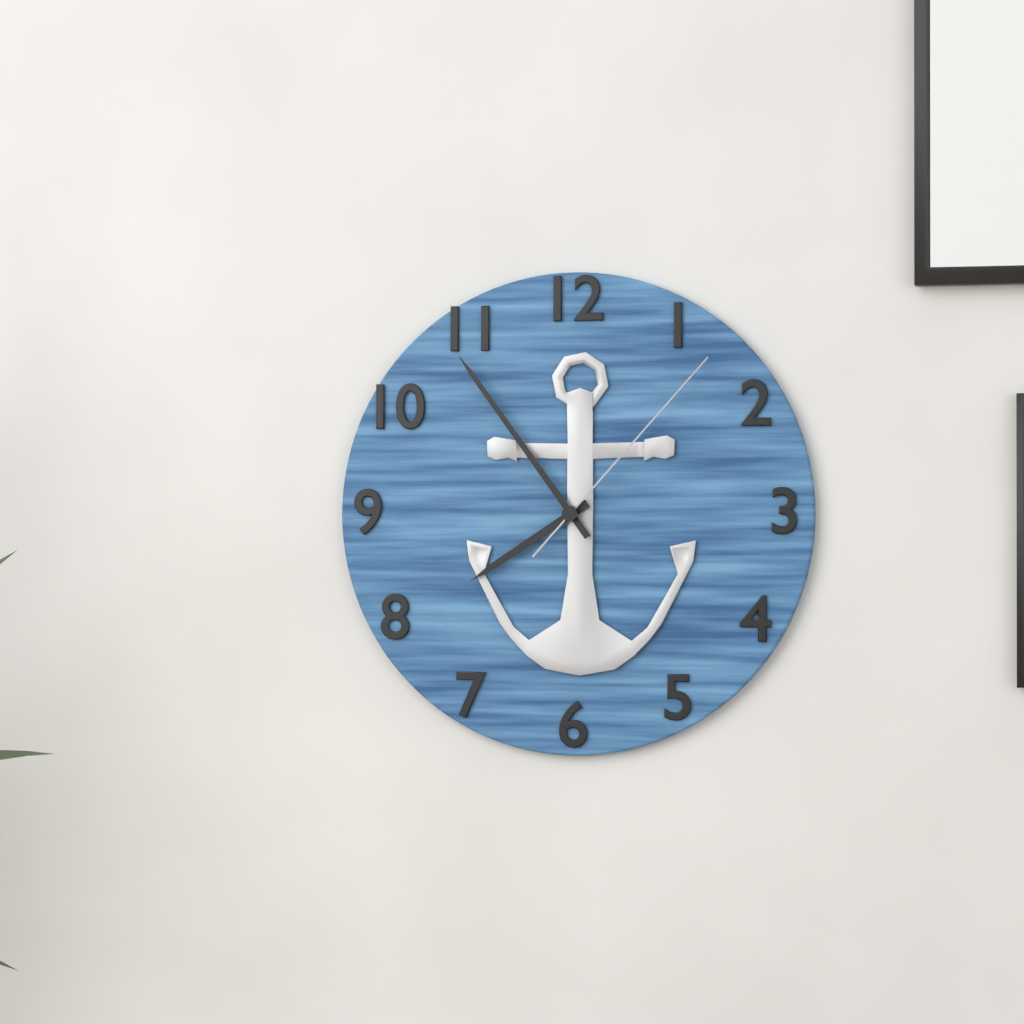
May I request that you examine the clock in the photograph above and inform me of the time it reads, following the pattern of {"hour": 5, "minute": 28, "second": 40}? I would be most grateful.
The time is {"hour": 7, "minute": 54, "second": 7}
